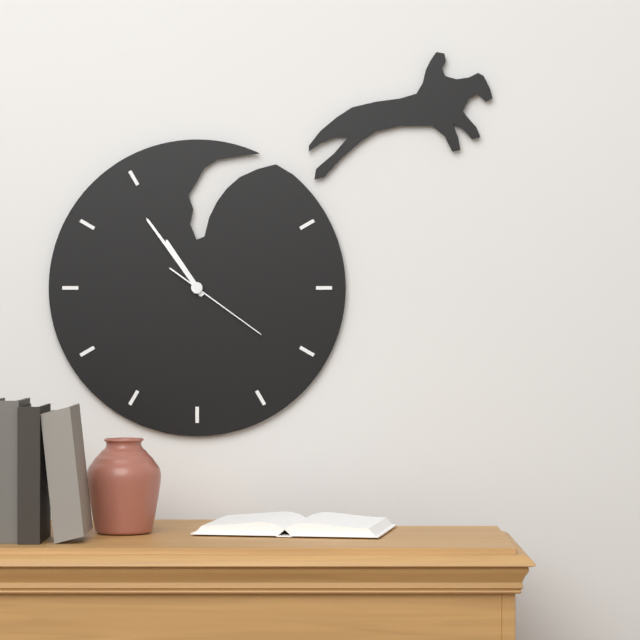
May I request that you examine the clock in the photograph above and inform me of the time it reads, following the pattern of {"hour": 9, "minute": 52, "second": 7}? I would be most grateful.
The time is {"hour": 10, "minute": 54, "second": 21}
